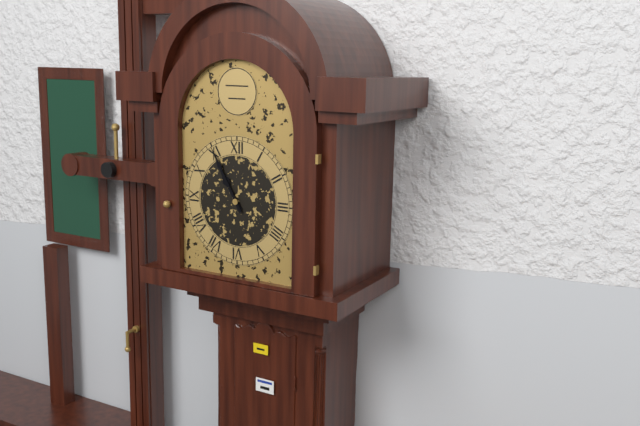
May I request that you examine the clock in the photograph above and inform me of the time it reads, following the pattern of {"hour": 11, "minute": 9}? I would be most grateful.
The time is {"hour": 10, "minute": 55}
